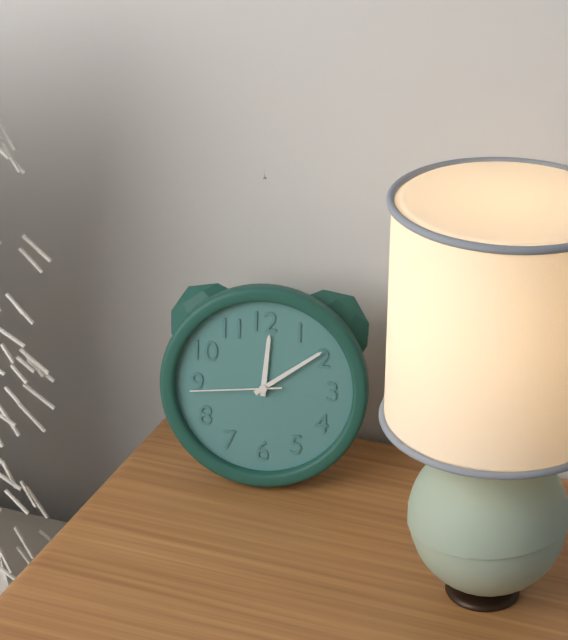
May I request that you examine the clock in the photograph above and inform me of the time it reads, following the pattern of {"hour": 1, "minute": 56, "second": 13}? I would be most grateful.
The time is {"hour": 12, "minute": 9, "second": 44}
